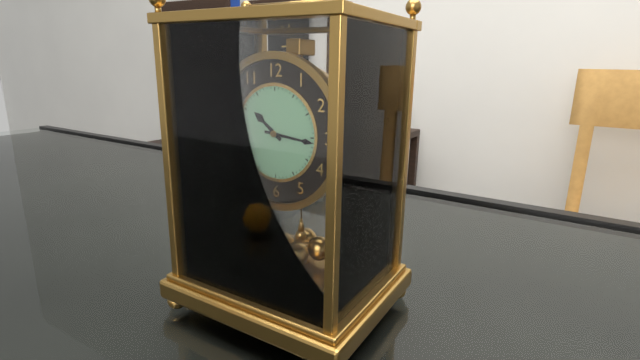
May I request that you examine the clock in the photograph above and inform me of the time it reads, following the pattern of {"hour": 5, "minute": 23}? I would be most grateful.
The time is {"hour": 10, "minute": 16}
